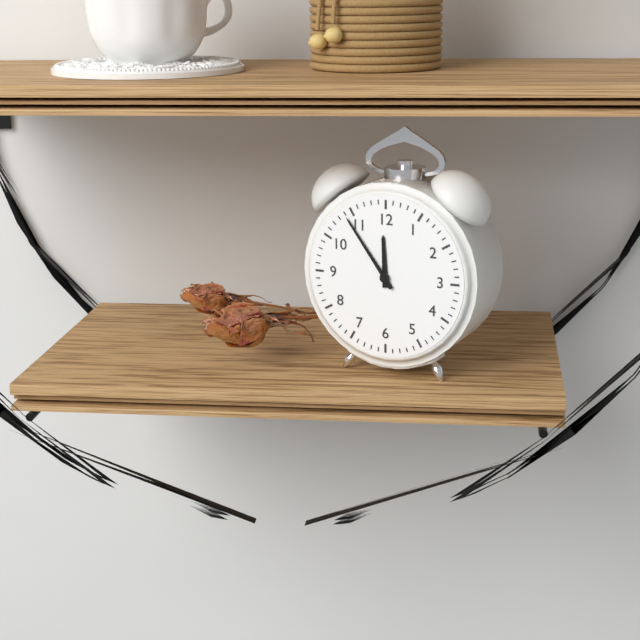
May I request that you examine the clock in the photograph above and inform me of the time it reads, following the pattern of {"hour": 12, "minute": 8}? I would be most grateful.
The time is {"hour": 11, "minute": 54}
